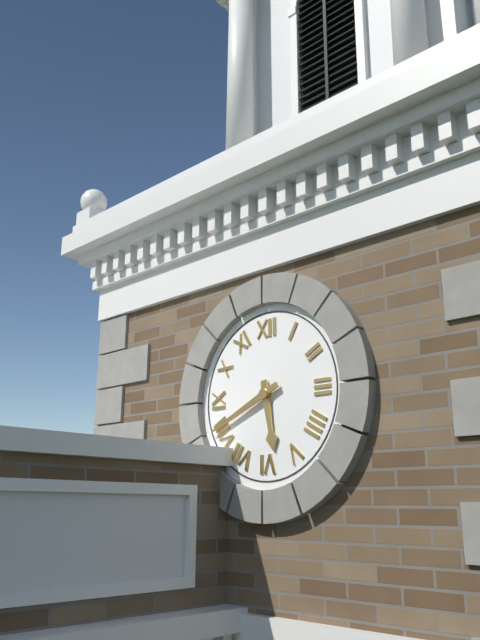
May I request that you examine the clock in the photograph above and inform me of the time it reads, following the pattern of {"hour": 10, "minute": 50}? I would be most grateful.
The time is {"hour": 5, "minute": 41}
